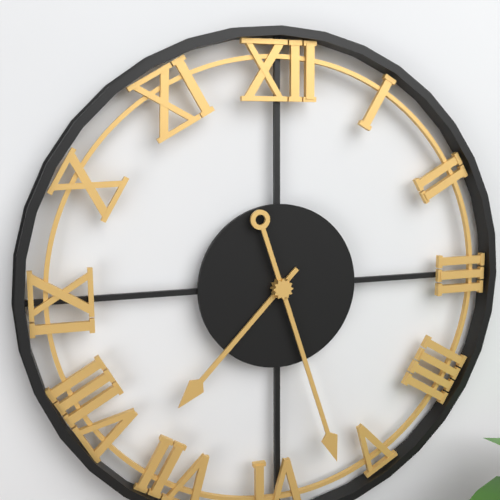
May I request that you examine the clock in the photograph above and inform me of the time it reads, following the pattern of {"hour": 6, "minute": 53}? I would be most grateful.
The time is {"hour": 7, "minute": 27}
